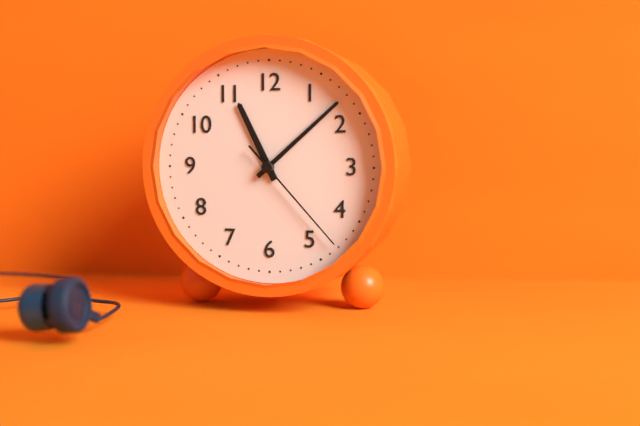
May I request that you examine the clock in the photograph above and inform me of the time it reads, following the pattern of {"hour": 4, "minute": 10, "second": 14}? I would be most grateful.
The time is {"hour": 11, "minute": 8, "second": 23}
